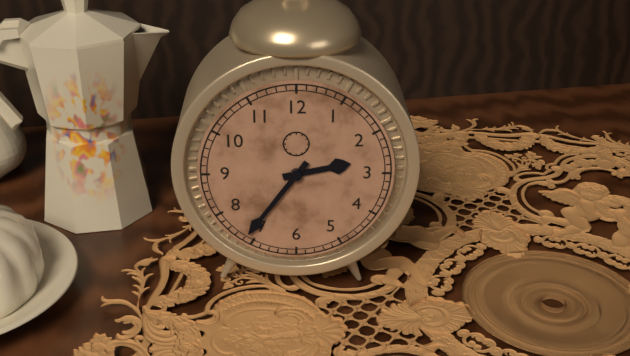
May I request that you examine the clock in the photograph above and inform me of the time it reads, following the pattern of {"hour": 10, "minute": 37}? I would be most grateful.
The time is {"hour": 2, "minute": 36}
